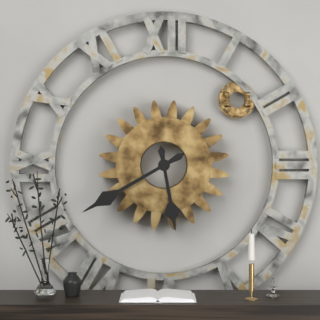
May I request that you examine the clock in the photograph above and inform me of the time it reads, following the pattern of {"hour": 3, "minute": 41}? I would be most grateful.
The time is {"hour": 5, "minute": 40}
